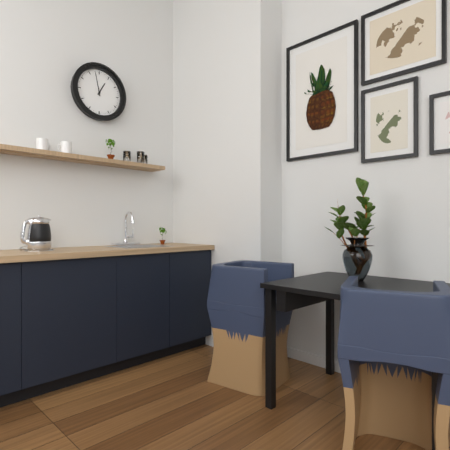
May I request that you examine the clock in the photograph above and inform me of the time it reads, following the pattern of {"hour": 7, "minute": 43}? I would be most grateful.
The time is {"hour": 12, "minute": 58}
